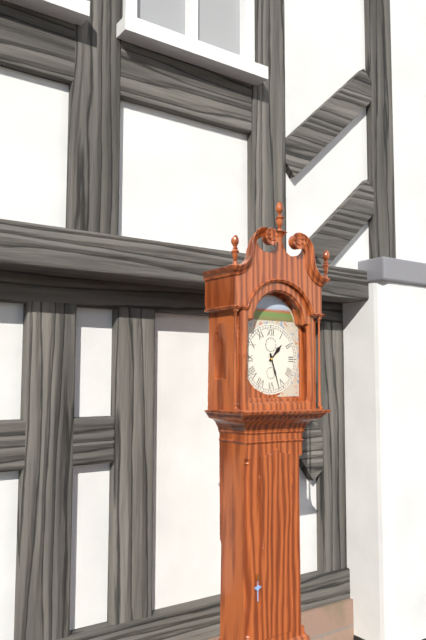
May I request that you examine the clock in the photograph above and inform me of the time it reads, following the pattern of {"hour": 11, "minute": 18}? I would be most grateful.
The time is {"hour": 1, "minute": 27}
